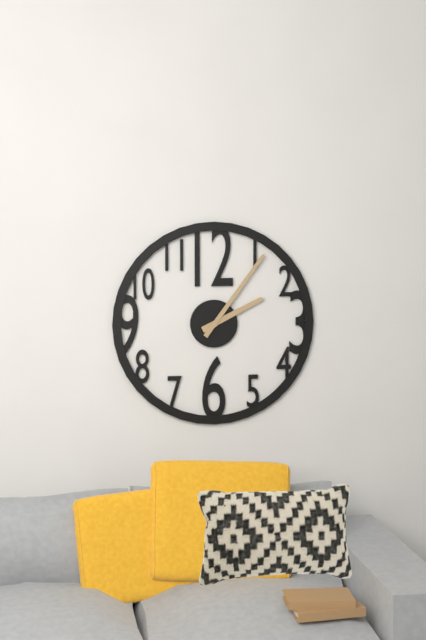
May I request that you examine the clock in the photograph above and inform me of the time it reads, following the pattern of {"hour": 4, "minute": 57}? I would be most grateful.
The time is {"hour": 2, "minute": 6}
